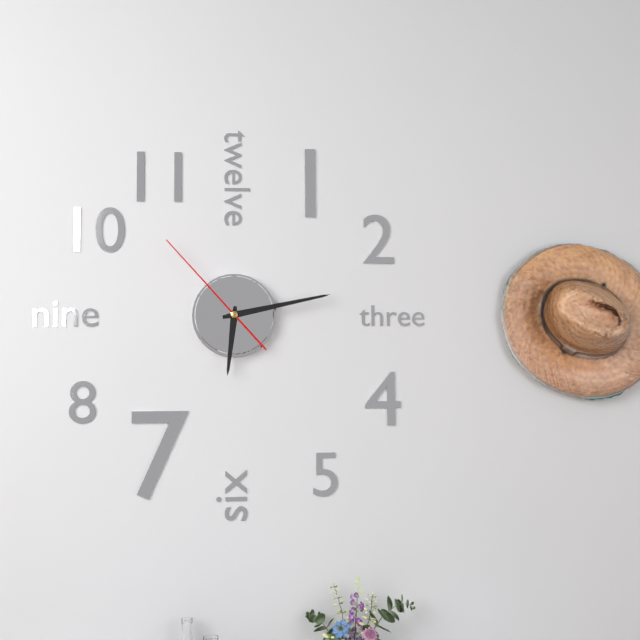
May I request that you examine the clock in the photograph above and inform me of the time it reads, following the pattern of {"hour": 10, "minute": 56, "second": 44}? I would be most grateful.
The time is {"hour": 6, "minute": 13, "second": 53}
